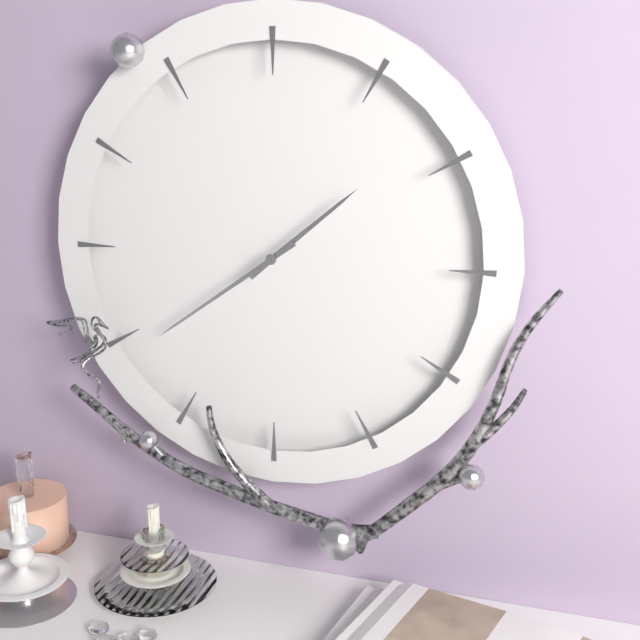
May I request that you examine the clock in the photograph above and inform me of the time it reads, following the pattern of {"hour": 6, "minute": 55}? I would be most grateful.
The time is {"hour": 1, "minute": 39}
